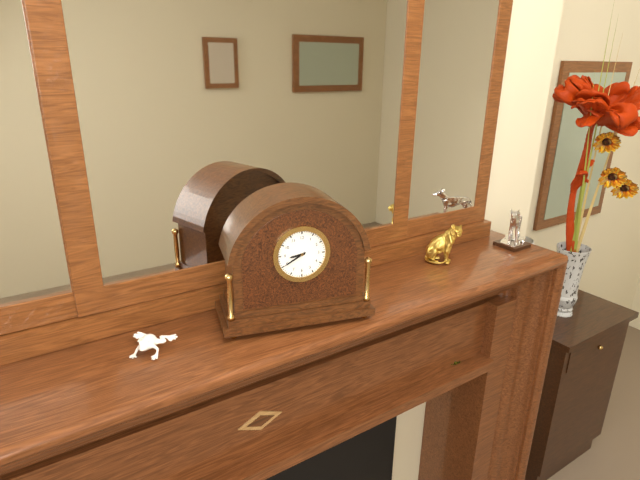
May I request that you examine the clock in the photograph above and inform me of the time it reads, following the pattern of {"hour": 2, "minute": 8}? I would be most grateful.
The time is {"hour": 8, "minute": 40}
